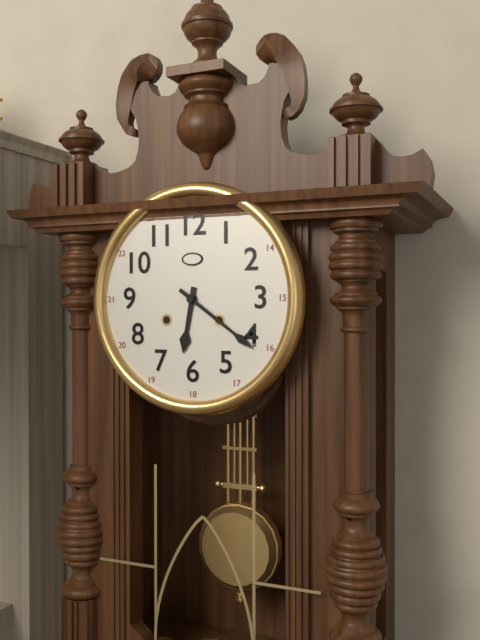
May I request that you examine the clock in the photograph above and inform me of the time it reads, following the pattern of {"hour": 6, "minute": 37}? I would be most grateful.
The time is {"hour": 6, "minute": 21}
